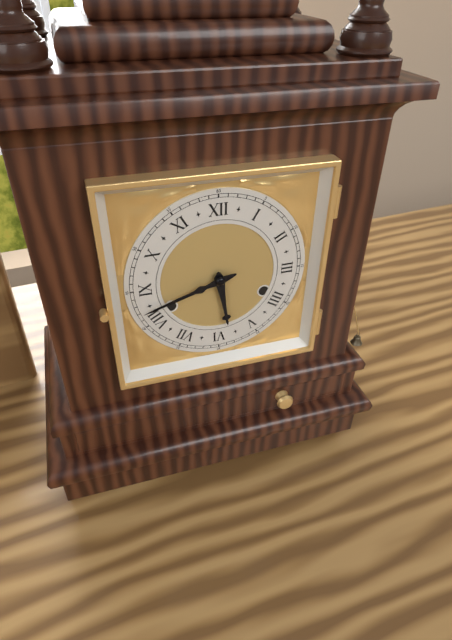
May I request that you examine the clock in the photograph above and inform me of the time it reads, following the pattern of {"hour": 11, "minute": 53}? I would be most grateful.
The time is {"hour": 5, "minute": 42}
